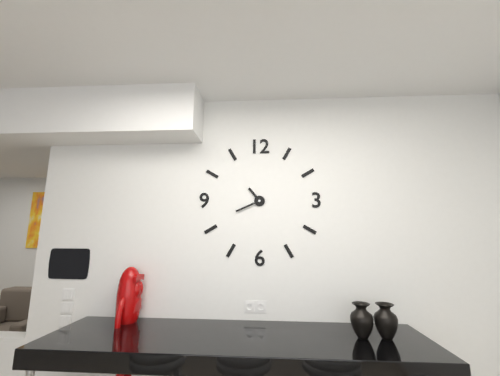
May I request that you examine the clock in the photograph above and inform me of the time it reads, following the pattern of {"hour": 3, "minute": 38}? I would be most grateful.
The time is {"hour": 10, "minute": 41}
